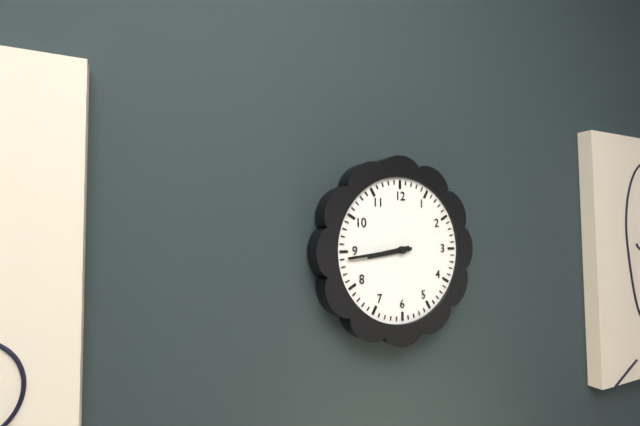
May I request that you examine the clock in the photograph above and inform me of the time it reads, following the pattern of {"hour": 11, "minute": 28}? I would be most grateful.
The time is {"hour": 8, "minute": 44}
